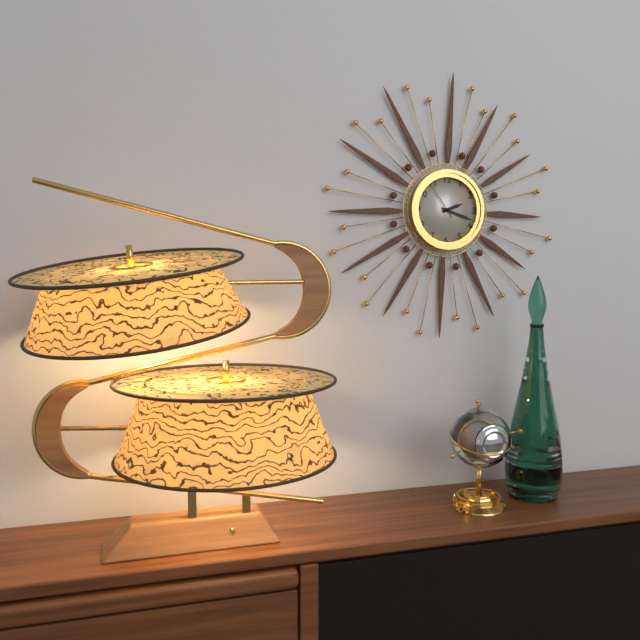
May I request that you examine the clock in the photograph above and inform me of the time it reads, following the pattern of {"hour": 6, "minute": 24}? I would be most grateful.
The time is {"hour": 2, "minute": 18}
